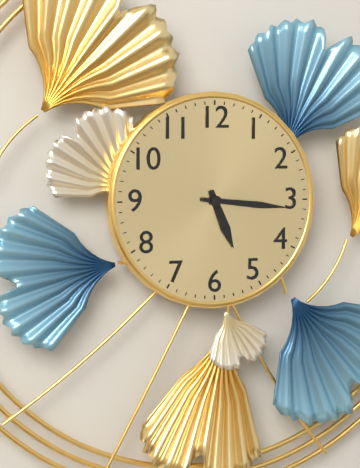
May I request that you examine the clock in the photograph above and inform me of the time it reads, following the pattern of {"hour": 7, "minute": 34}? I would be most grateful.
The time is {"hour": 5, "minute": 16}
